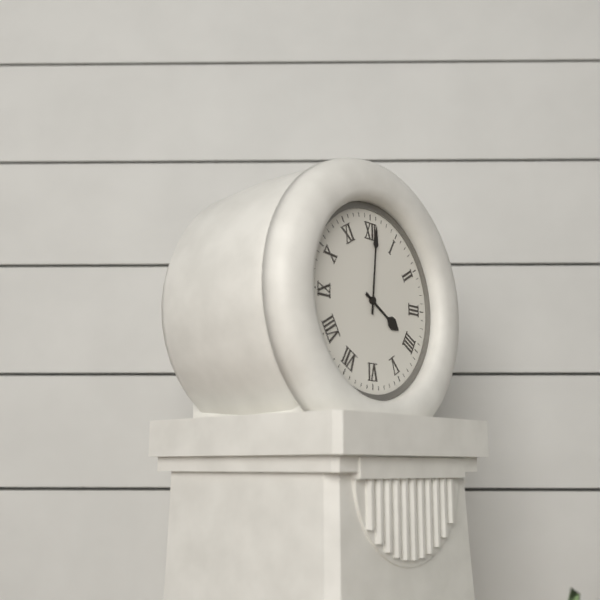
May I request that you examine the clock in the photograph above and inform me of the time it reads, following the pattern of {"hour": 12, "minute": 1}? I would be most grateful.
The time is {"hour": 4, "minute": 1}
